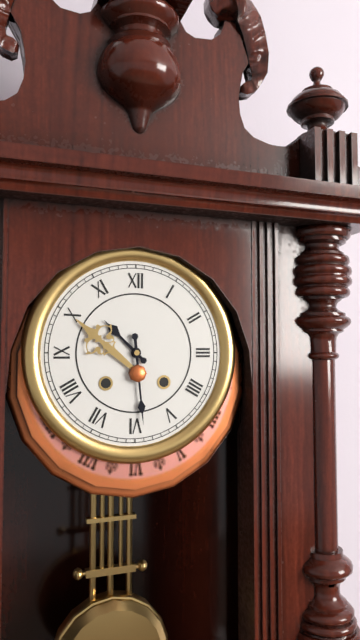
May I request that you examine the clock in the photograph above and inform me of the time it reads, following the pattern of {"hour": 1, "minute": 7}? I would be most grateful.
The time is {"hour": 10, "minute": 29}
